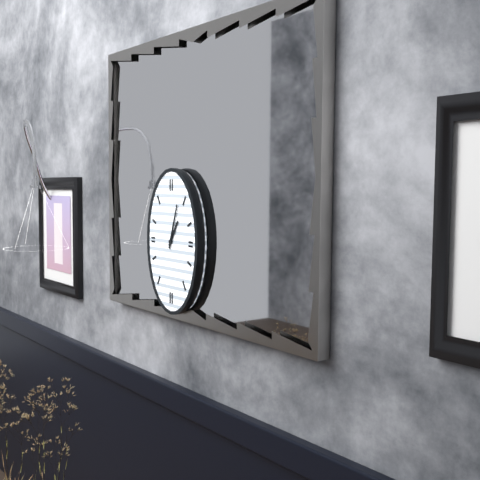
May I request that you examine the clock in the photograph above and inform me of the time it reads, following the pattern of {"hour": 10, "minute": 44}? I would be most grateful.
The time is {"hour": 1, "minute": 3}
